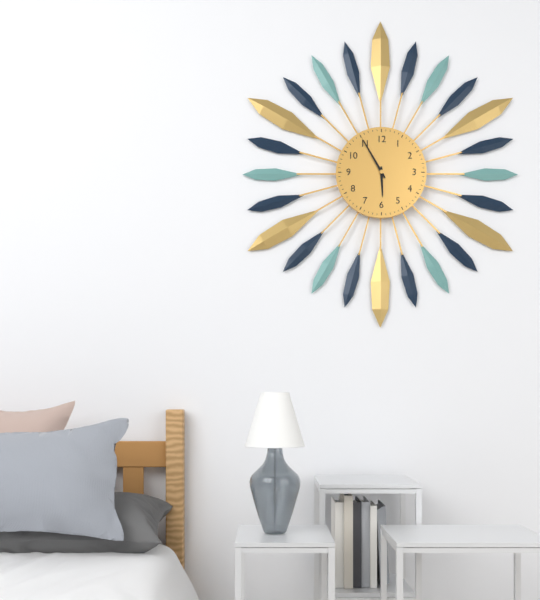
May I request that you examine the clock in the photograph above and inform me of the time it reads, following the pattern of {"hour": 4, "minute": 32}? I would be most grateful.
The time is {"hour": 5, "minute": 55}
